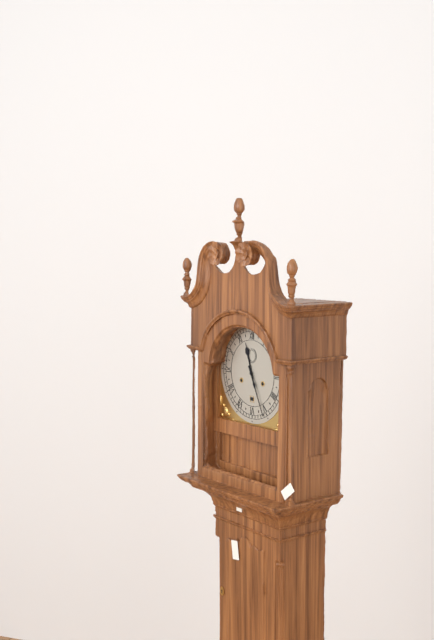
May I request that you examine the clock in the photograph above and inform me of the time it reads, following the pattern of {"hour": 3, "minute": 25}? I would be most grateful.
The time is {"hour": 11, "minute": 26}
